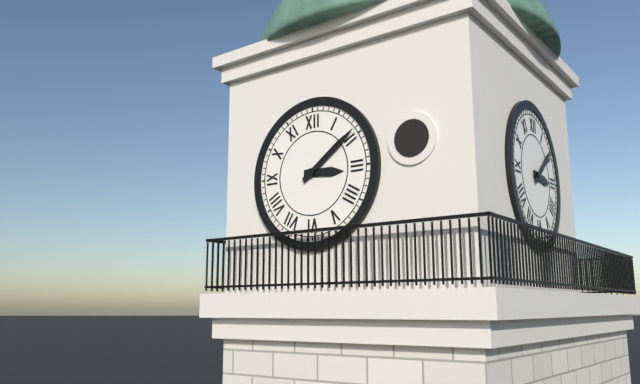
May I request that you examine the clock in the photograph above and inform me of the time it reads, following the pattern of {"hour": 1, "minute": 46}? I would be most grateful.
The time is {"hour": 3, "minute": 9}
